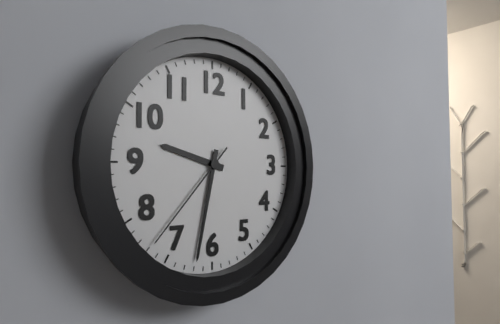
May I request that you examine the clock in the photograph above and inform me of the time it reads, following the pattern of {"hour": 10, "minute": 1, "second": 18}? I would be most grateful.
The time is {"hour": 9, "minute": 32, "second": 37}
